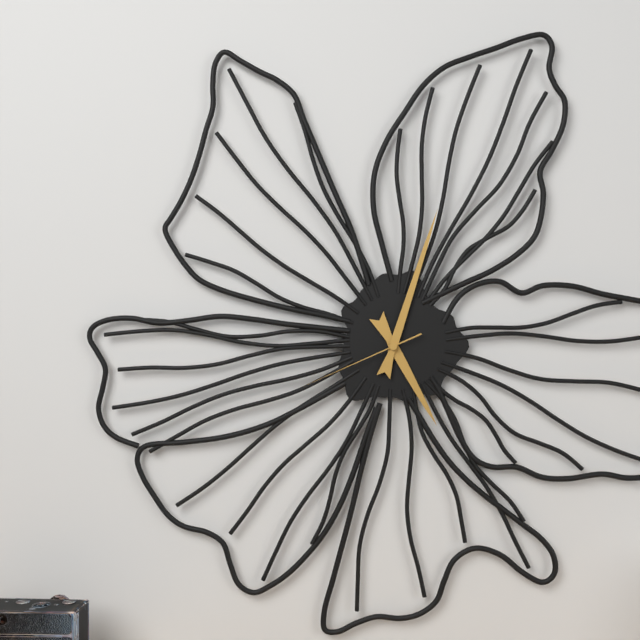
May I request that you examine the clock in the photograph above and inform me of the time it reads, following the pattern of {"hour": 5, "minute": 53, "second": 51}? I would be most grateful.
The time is {"hour": 5, "minute": 3, "second": 41}
